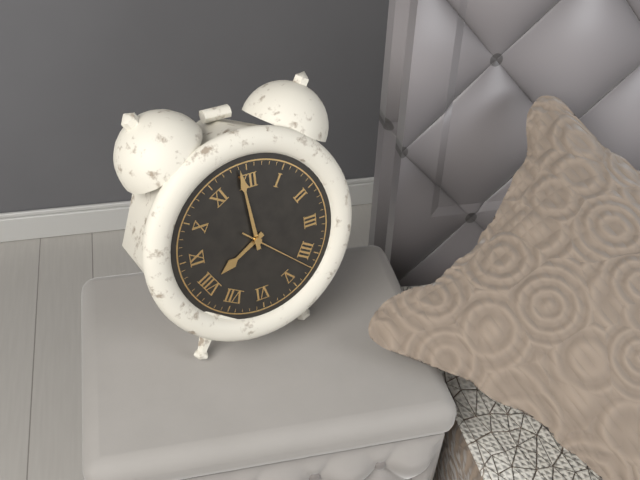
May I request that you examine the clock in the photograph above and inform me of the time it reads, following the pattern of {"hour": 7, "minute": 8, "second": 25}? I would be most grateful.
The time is {"hour": 7, "minute": 59, "second": 22}
